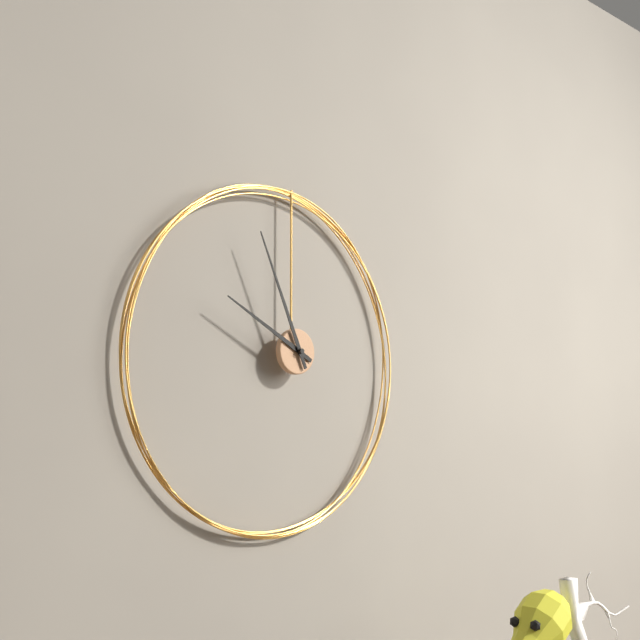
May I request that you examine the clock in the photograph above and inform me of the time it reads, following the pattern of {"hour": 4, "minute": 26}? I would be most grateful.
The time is {"hour": 9, "minute": 56}
